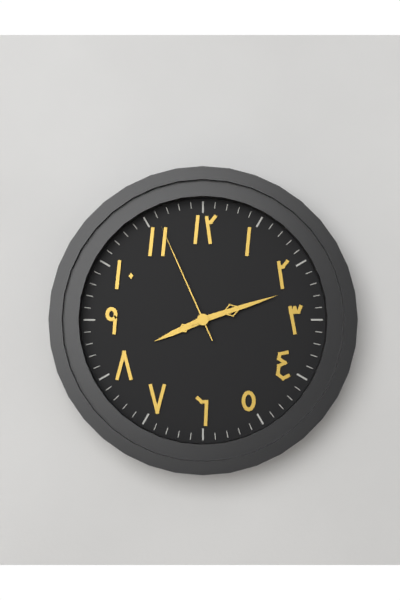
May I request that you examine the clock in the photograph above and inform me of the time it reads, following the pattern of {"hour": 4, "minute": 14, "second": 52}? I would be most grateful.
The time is {"hour": 8, "minute": 12, "second": 56}
